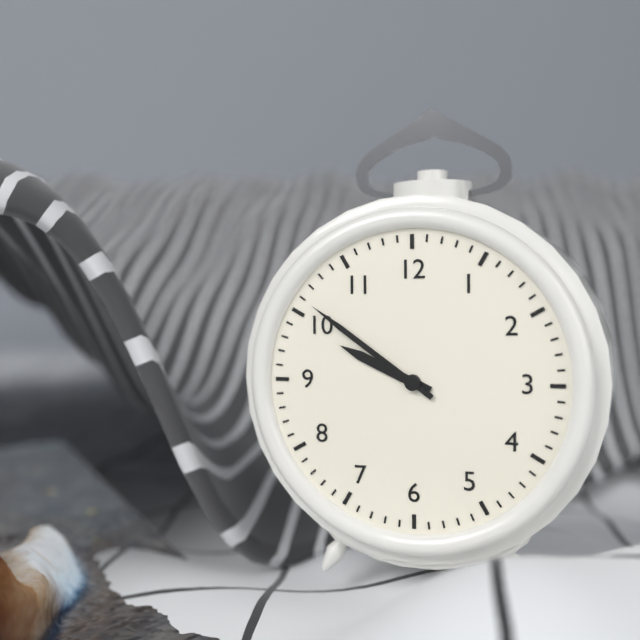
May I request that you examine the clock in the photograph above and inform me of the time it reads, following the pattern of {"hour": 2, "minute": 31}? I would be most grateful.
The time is {"hour": 9, "minute": 51}
